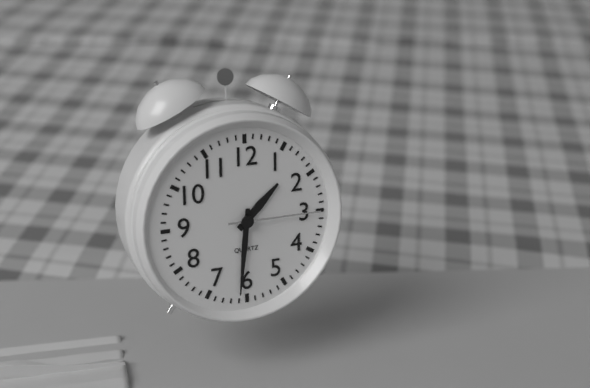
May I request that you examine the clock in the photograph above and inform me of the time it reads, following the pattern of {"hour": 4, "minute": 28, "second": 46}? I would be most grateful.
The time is {"hour": 1, "minute": 31, "second": 15}
